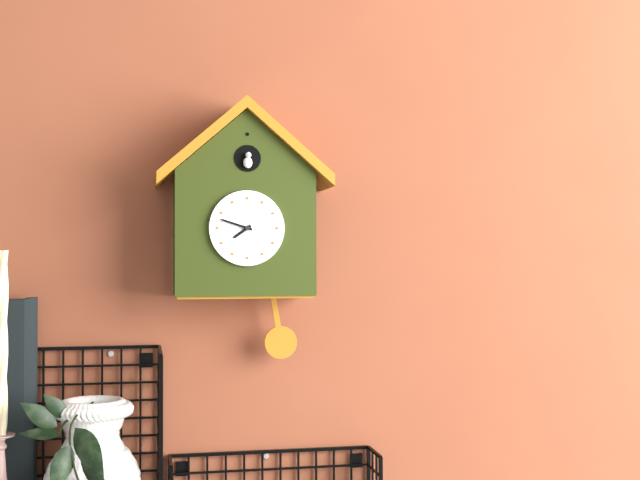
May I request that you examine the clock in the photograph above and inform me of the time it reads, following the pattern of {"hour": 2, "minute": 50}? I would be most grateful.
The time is {"hour": 7, "minute": 48}
